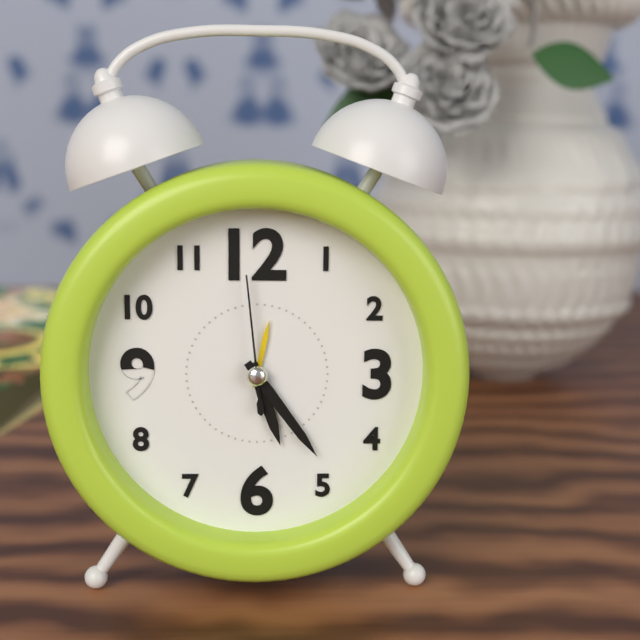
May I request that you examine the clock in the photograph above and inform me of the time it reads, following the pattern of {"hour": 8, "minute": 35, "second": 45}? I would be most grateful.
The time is {"hour": 5, "minute": 24, "second": 59}
